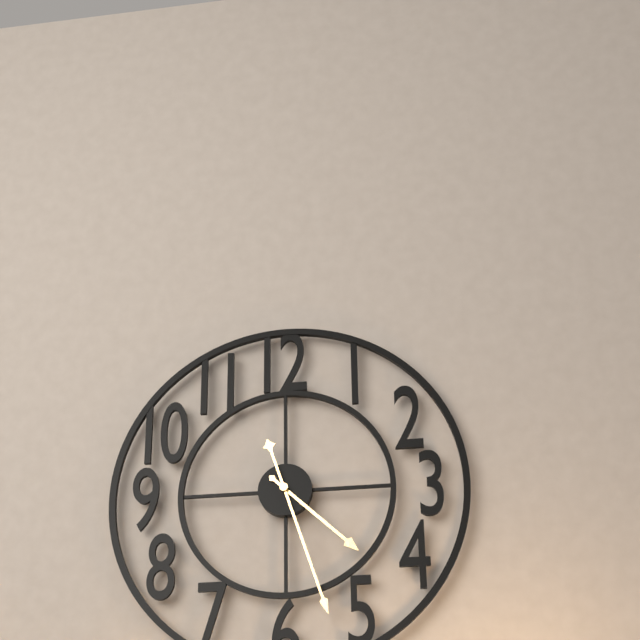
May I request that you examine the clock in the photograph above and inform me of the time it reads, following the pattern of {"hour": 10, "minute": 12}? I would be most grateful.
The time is {"hour": 4, "minute": 27}
